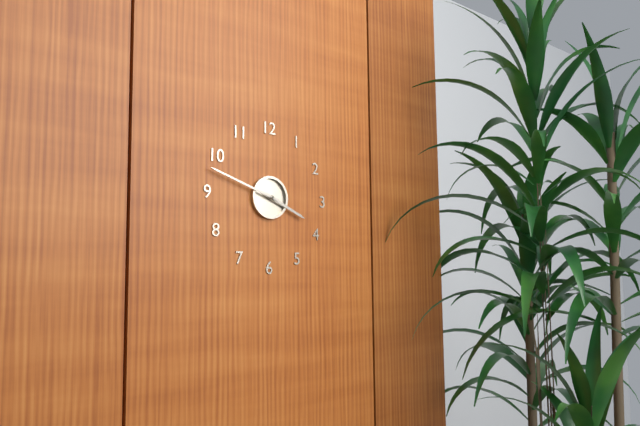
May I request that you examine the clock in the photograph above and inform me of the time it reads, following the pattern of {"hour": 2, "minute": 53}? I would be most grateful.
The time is {"hour": 3, "minute": 48}
